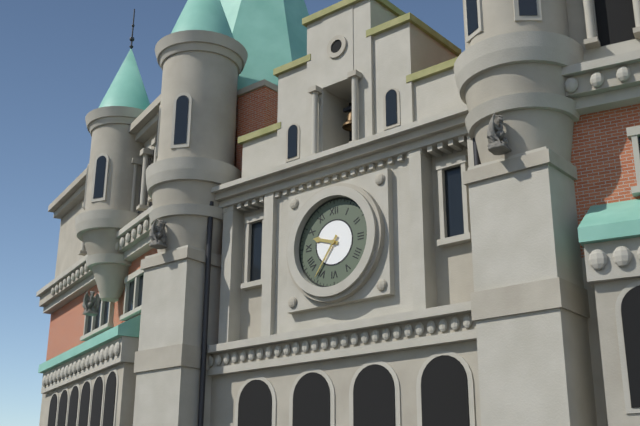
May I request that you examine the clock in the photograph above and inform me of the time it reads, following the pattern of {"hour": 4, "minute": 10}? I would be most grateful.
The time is {"hour": 9, "minute": 36}
